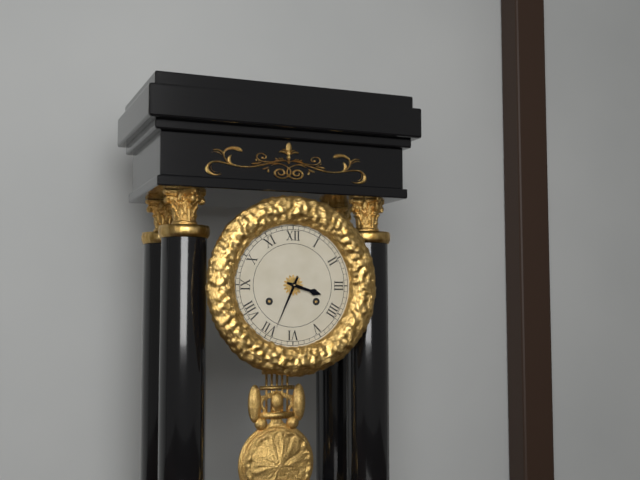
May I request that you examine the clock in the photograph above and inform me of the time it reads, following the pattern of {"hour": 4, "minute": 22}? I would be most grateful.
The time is {"hour": 3, "minute": 34}
